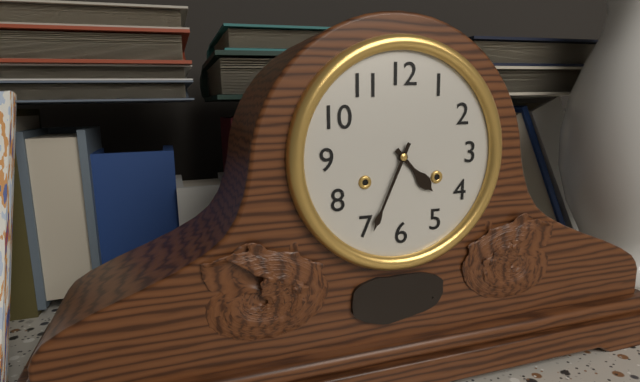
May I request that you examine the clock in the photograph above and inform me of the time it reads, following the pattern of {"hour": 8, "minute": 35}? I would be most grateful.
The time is {"hour": 4, "minute": 34}
